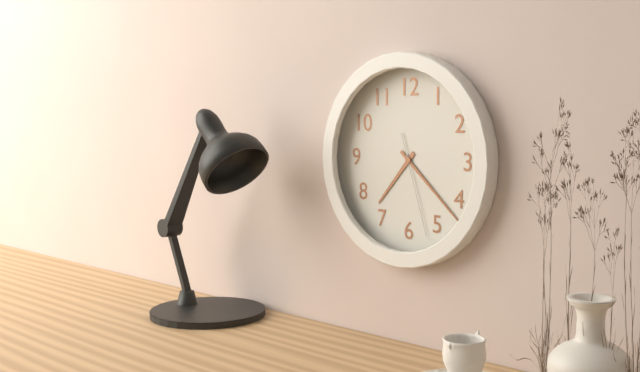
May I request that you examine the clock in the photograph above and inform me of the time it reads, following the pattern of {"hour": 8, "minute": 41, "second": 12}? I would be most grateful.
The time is {"hour": 7, "minute": 22, "second": 27}
